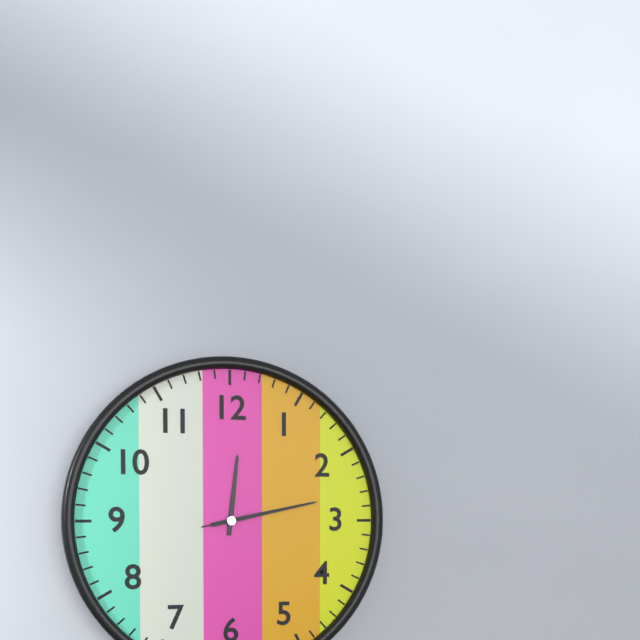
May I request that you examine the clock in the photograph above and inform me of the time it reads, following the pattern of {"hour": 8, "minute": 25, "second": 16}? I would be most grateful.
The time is {"hour": 12, "minute": 13, "second": 13}
